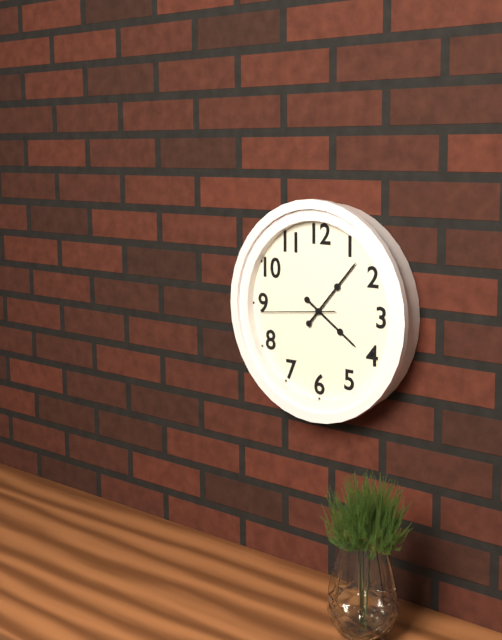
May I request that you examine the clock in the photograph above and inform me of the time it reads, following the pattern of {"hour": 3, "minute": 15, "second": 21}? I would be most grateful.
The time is {"hour": 4, "minute": 7, "second": 44}
